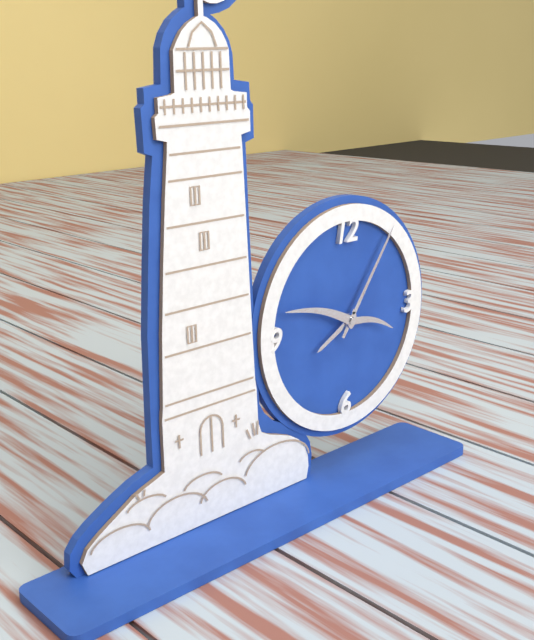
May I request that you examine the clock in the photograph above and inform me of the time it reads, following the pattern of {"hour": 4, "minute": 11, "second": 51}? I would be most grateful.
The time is {"hour": 8, "minute": 6, "second": 48}
